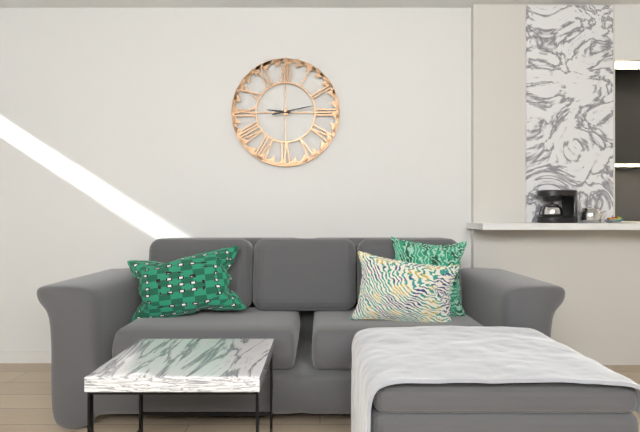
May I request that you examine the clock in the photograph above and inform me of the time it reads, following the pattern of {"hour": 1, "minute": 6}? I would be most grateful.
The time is {"hour": 9, "minute": 13}
